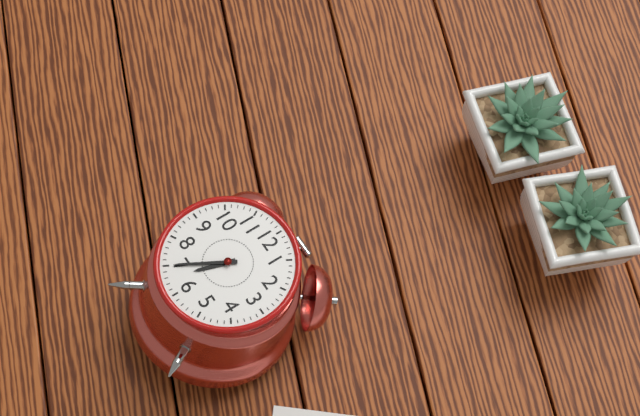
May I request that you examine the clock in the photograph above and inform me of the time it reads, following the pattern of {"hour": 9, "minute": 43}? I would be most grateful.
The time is {"hour": 6, "minute": 35}
